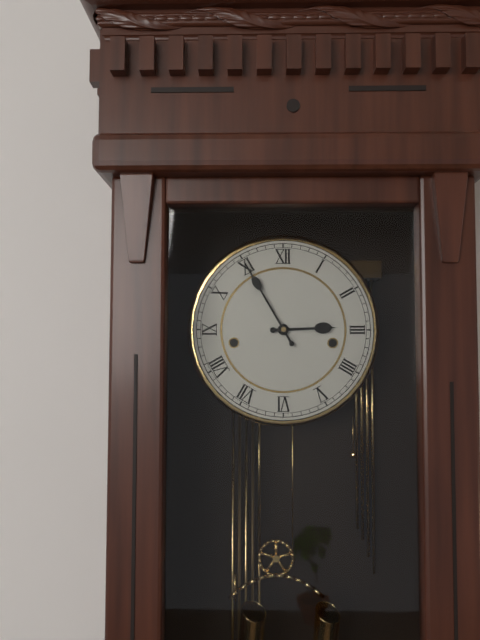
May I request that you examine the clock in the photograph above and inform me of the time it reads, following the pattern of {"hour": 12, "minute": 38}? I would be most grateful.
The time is {"hour": 2, "minute": 55}
